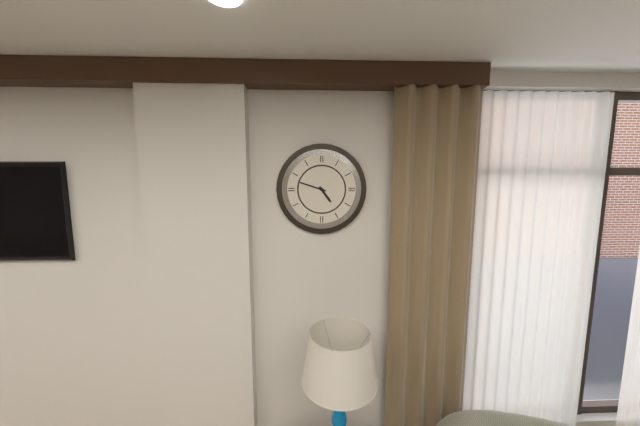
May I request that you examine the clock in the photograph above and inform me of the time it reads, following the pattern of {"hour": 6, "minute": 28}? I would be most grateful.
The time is {"hour": 4, "minute": 48}
